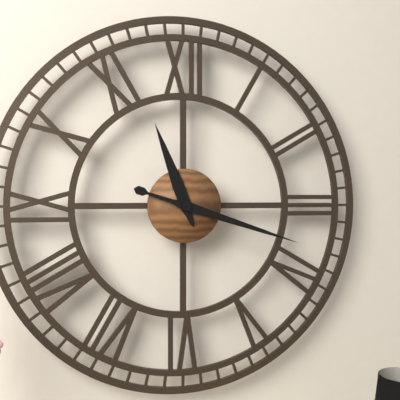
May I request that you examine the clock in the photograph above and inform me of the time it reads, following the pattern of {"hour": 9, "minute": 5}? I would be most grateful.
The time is {"hour": 11, "minute": 18}
